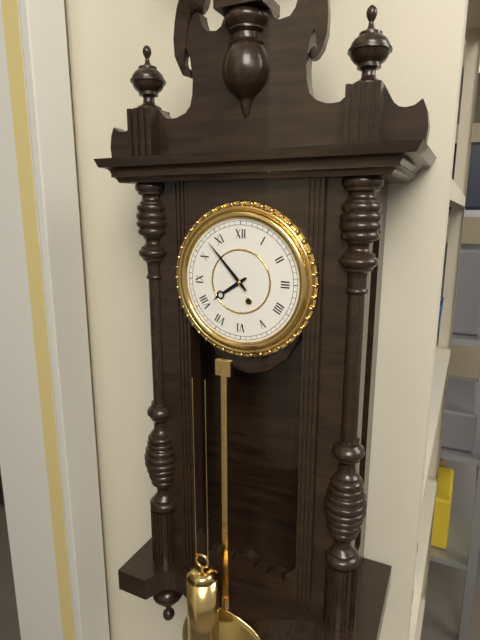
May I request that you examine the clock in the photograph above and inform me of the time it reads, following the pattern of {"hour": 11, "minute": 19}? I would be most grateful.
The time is {"hour": 7, "minute": 53}
